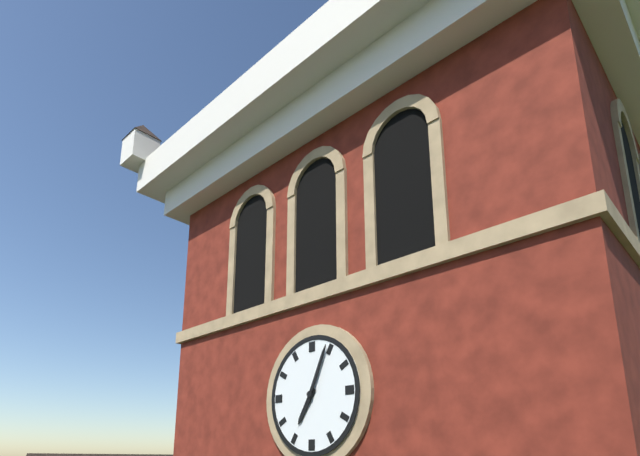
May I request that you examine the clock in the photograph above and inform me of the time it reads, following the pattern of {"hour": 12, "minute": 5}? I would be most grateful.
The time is {"hour": 7, "minute": 4}
